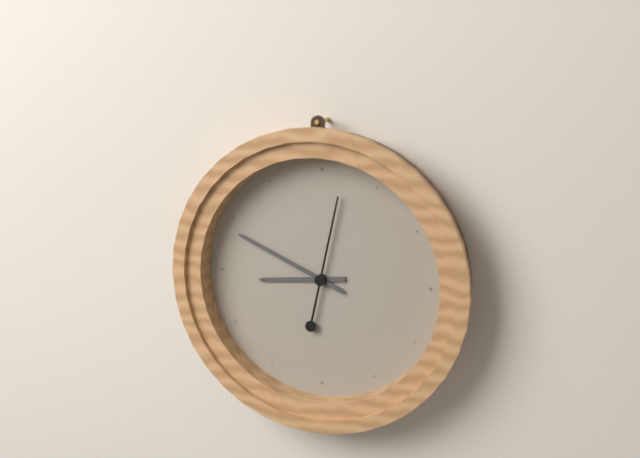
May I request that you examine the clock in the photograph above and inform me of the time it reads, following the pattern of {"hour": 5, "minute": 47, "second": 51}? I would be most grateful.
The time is {"hour": 8, "minute": 49, "second": 2}
